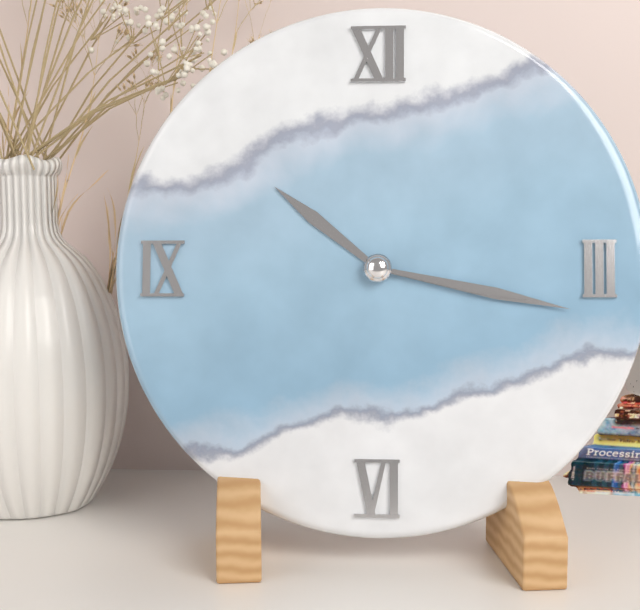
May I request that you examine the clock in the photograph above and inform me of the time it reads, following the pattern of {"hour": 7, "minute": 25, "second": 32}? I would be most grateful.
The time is {"hour": 10, "minute": 17, "second": 17}
